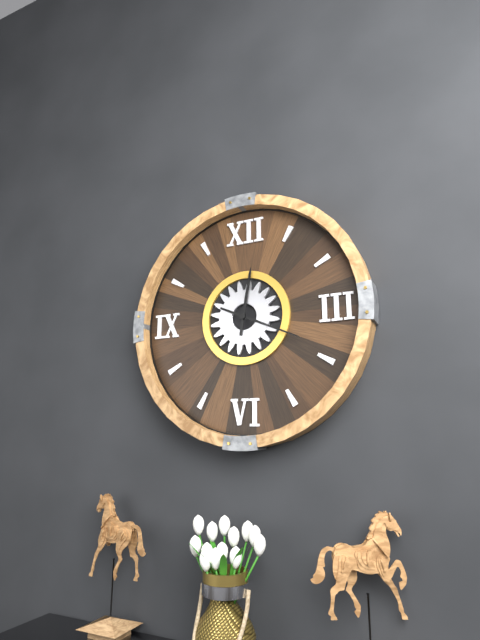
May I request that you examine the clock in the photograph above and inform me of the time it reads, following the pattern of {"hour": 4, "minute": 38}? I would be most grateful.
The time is {"hour": 12, "minute": 19}
